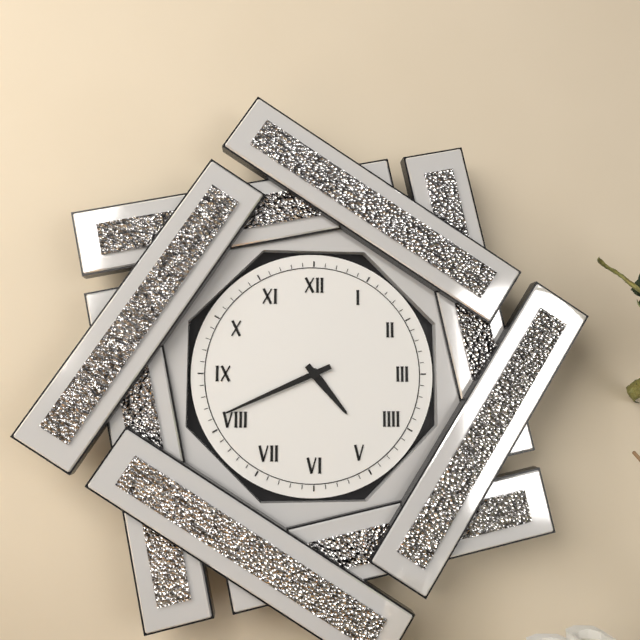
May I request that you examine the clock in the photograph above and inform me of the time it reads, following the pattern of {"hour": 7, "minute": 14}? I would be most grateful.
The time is {"hour": 4, "minute": 41}
